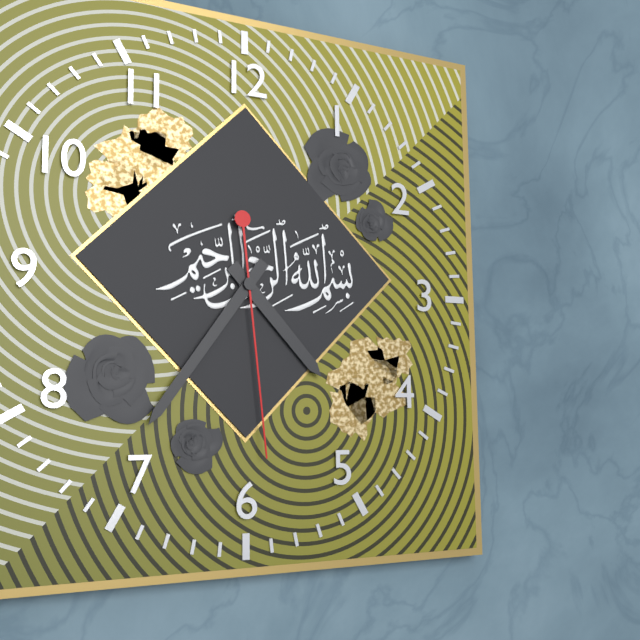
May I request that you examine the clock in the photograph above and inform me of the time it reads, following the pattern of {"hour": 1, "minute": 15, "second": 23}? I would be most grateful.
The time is {"hour": 4, "minute": 36, "second": 29}
